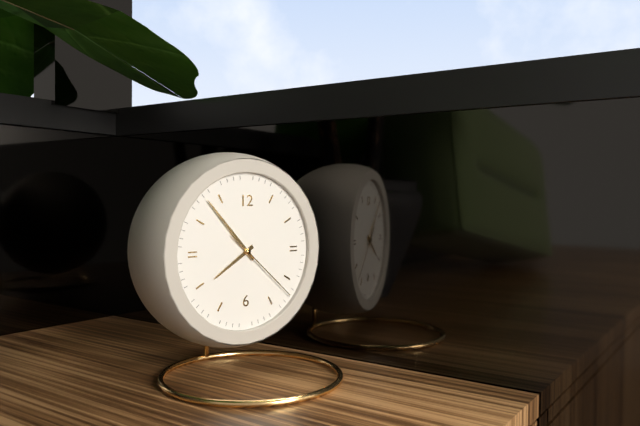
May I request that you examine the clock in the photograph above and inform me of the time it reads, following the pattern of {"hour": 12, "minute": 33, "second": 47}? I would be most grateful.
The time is {"hour": 7, "minute": 53, "second": 22}
